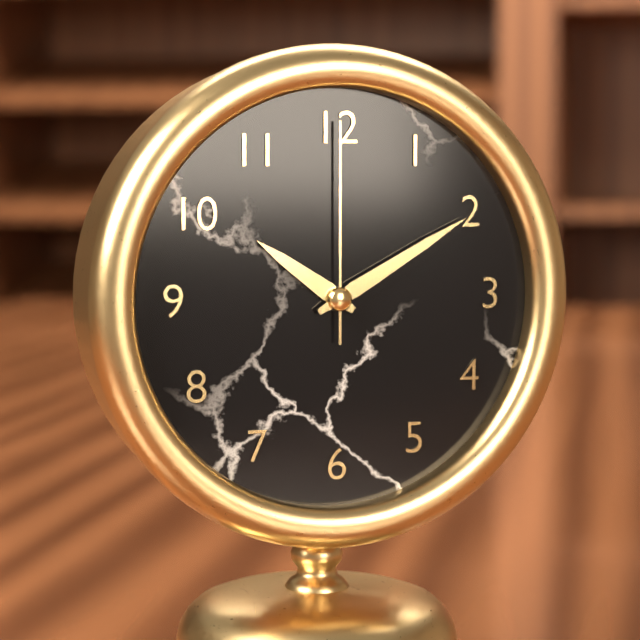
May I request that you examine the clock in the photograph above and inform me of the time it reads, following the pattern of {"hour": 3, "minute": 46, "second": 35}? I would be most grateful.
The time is {"hour": 10, "minute": 10, "second": 0}
